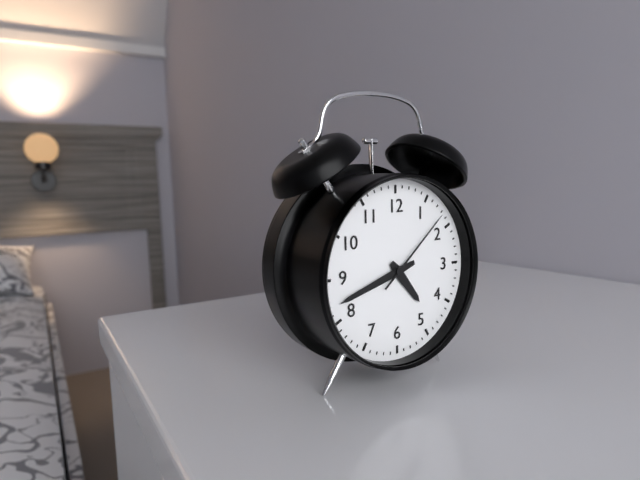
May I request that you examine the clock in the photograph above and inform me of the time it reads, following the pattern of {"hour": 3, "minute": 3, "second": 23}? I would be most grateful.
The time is {"hour": 4, "minute": 42, "second": 8}
